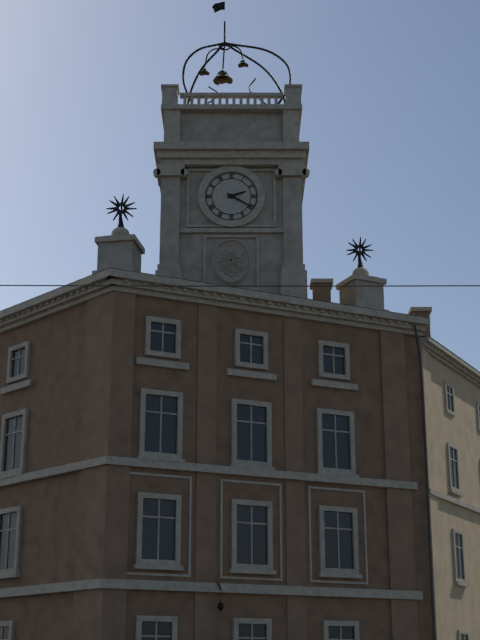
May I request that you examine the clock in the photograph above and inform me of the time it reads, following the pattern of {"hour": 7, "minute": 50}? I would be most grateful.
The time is {"hour": 2, "minute": 20}
